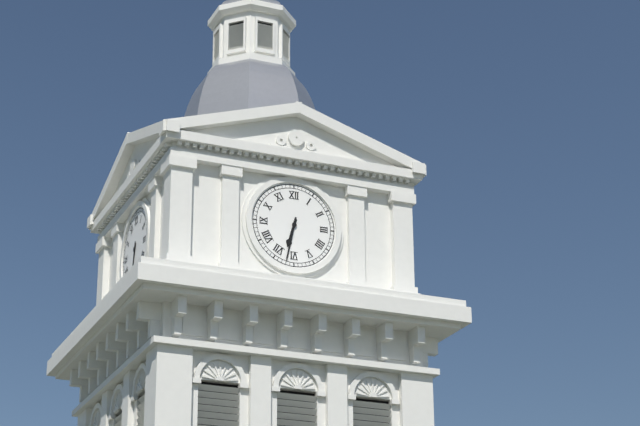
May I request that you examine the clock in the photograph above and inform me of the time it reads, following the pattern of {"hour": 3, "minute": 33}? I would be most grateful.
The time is {"hour": 6, "minute": 32}
